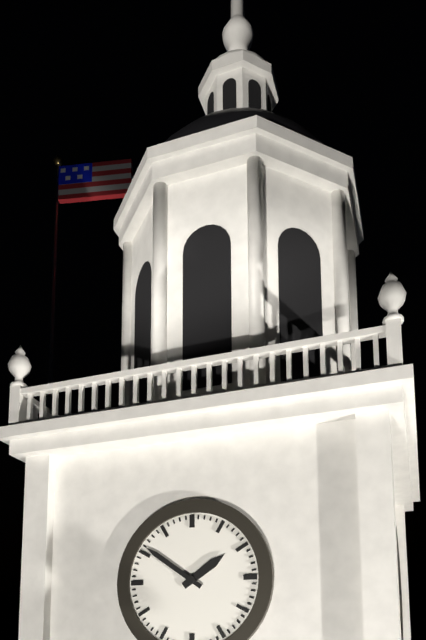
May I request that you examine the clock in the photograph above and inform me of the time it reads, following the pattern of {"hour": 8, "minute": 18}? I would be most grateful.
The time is {"hour": 1, "minute": 51}
